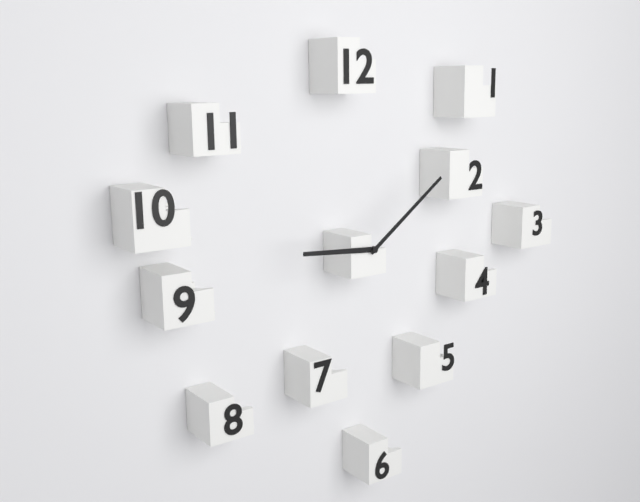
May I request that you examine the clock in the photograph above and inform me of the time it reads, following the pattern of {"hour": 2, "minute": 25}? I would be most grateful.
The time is {"hour": 9, "minute": 9}
